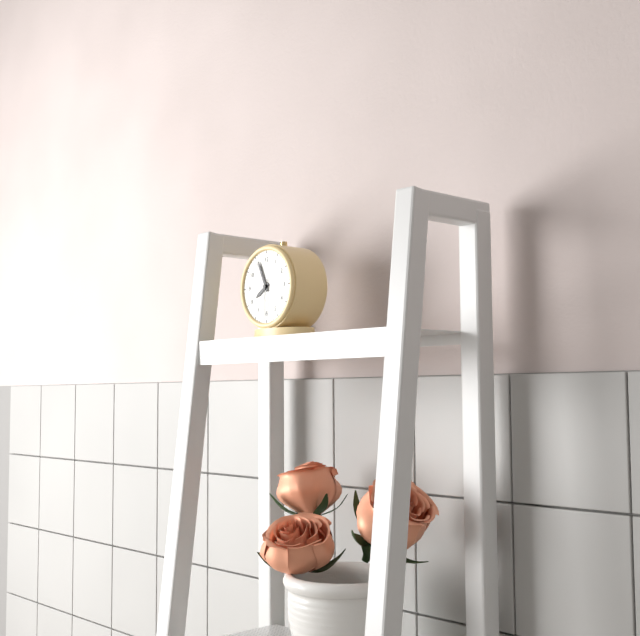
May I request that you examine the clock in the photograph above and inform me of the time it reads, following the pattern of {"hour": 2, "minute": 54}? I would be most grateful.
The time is {"hour": 7, "minute": 56}
